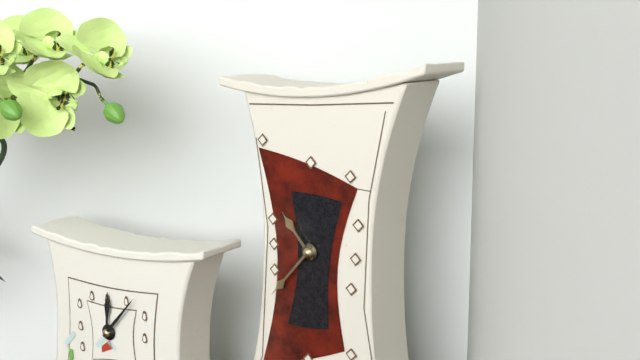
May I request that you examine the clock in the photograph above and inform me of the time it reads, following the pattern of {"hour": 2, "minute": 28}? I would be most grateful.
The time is {"hour": 10, "minute": 37}
